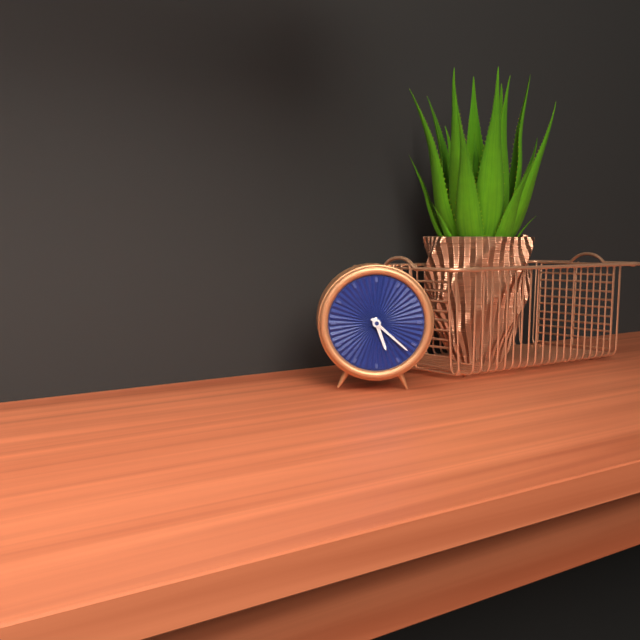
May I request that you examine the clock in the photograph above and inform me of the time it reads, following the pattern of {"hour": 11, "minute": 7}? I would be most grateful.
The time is {"hour": 5, "minute": 22}
